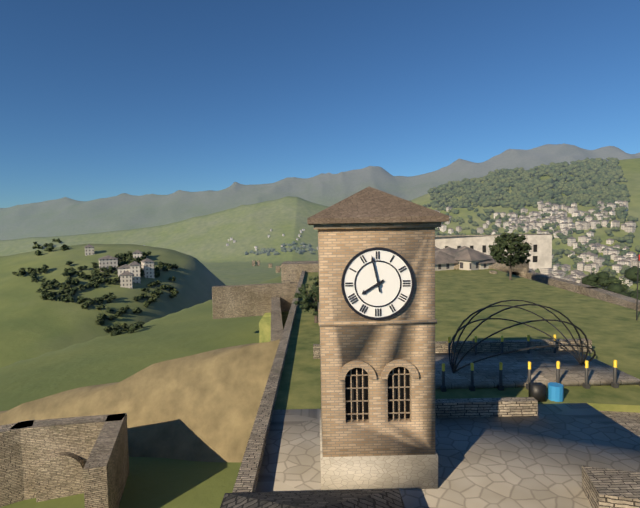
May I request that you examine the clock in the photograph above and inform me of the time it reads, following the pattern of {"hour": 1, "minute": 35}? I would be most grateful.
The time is {"hour": 7, "minute": 58}
